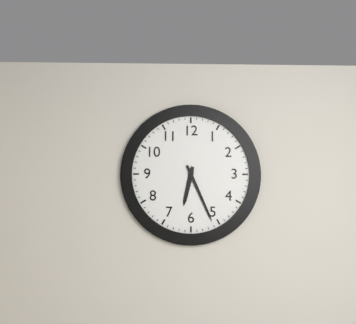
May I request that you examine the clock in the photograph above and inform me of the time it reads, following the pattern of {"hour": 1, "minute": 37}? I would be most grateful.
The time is {"hour": 6, "minute": 26}
